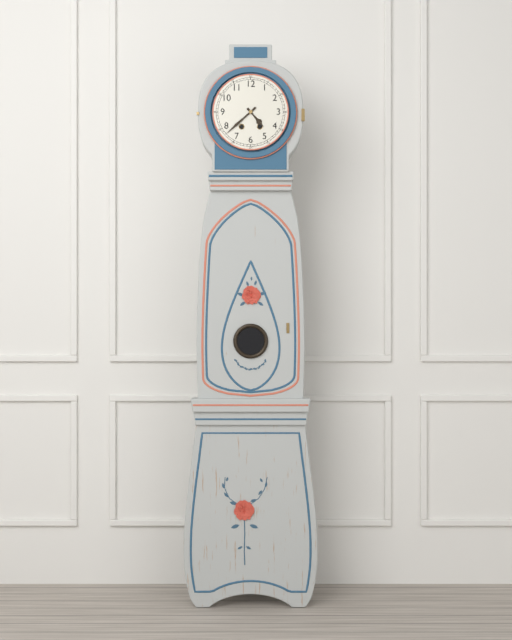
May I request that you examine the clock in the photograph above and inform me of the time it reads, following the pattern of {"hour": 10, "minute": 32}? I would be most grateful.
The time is {"hour": 4, "minute": 38}
